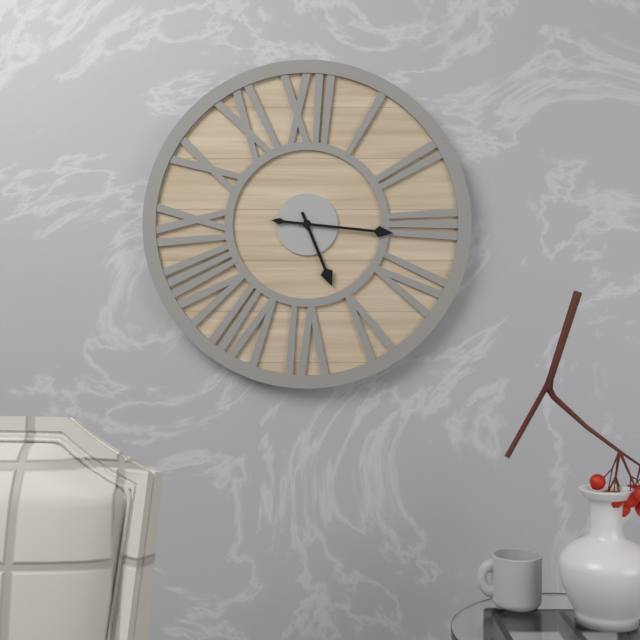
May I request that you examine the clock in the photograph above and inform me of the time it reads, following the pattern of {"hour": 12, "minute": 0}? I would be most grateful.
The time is {"hour": 5, "minute": 16}
